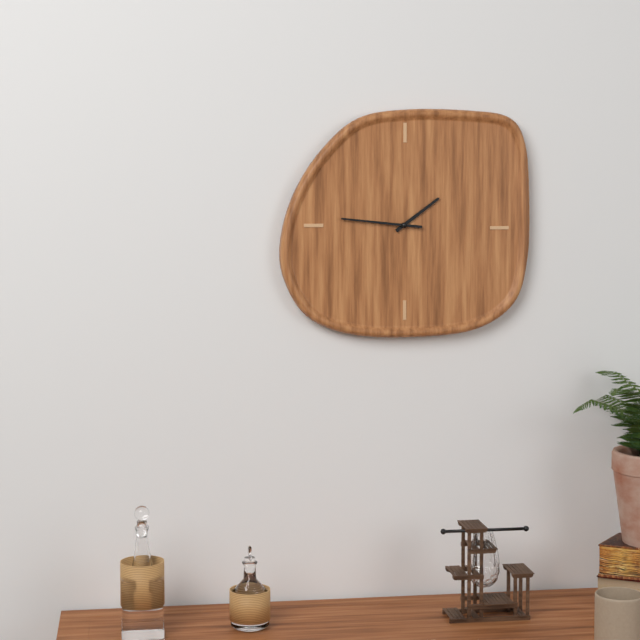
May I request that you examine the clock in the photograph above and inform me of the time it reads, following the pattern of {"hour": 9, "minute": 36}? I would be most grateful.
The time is {"hour": 1, "minute": 46}
